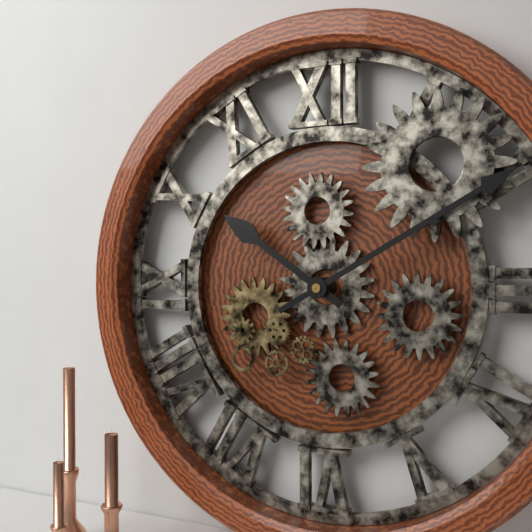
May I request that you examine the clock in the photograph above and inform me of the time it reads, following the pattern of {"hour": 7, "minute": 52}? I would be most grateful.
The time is {"hour": 10, "minute": 10}
